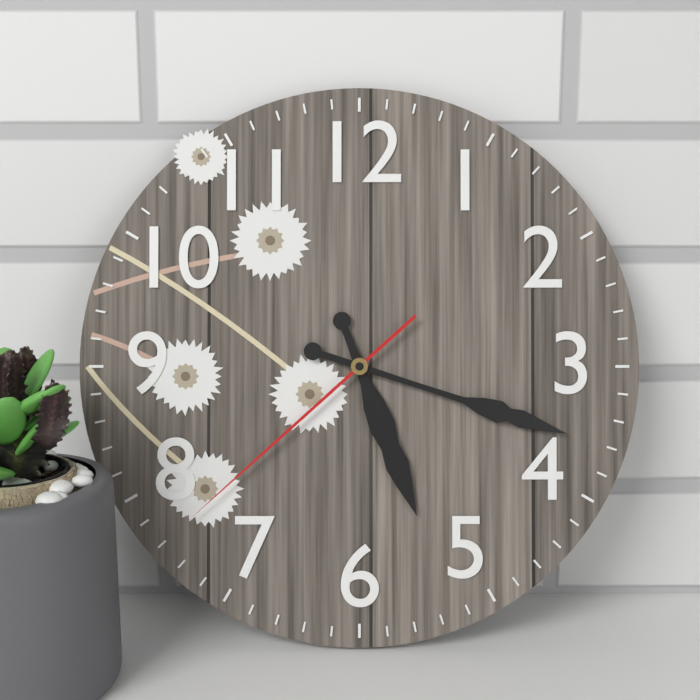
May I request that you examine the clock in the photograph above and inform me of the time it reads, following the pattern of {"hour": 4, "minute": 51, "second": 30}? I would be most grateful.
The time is {"hour": 5, "minute": 18, "second": 38}
